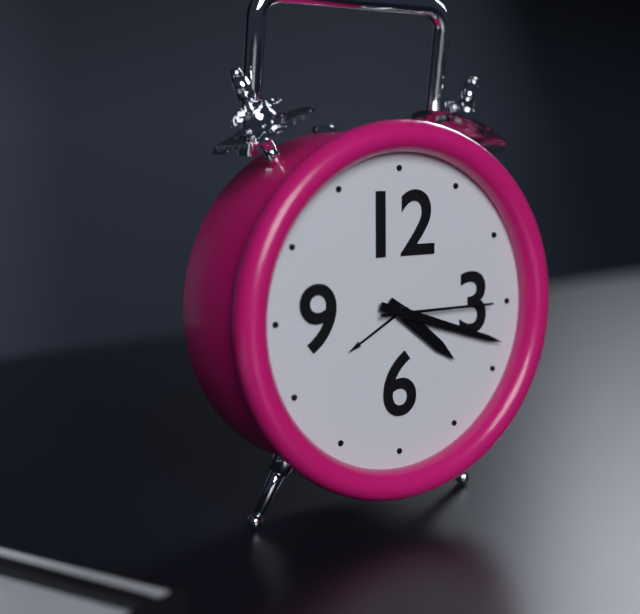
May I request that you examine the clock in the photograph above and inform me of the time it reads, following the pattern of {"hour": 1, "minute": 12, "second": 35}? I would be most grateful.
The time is {"hour": 4, "minute": 18, "second": 15}
